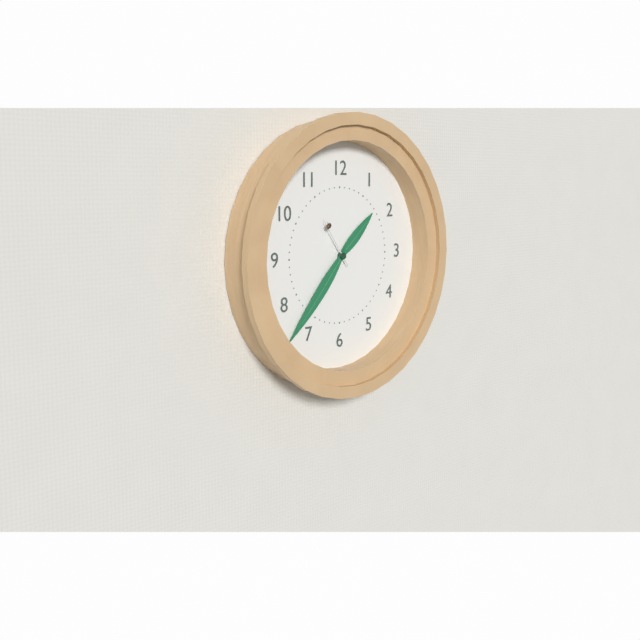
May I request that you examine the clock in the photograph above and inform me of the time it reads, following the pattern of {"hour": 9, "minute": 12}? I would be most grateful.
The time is {"hour": 1, "minute": 37}
